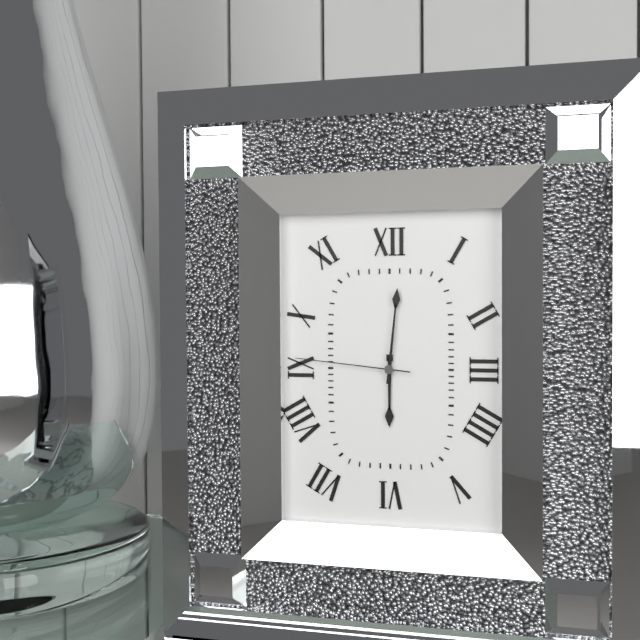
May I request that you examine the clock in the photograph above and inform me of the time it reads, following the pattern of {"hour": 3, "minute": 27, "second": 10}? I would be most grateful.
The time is {"hour": 6, "minute": 1, "second": 46}
